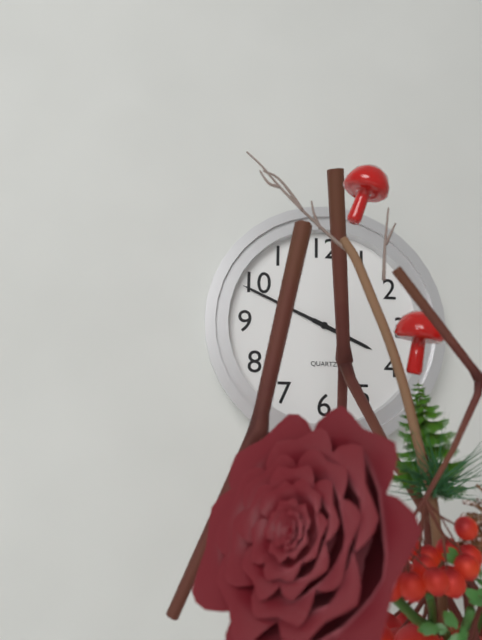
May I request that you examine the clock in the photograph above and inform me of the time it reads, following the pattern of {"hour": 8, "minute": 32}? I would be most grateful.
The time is {"hour": 3, "minute": 49}
